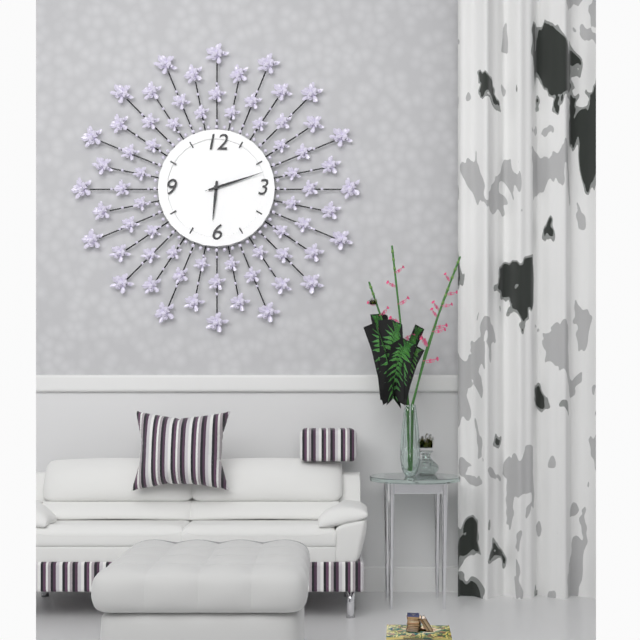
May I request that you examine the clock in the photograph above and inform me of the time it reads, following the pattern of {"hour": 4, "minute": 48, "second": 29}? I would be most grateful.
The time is {"hour": 6, "minute": 12, "second": 12}
